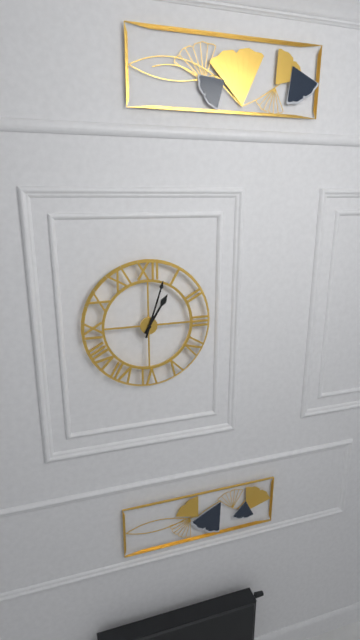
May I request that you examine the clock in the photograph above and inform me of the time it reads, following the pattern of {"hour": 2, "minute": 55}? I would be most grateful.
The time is {"hour": 1, "minute": 3}
